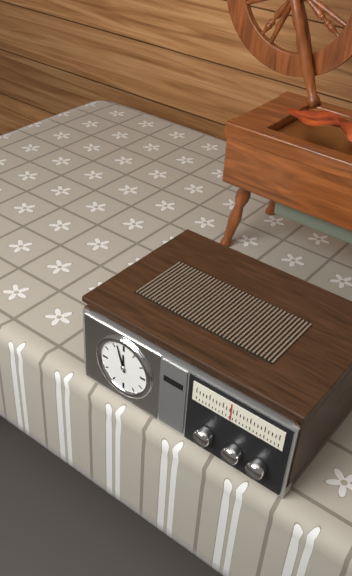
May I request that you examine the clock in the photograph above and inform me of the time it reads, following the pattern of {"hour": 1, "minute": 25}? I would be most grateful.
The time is {"hour": 11, "minute": 57}
